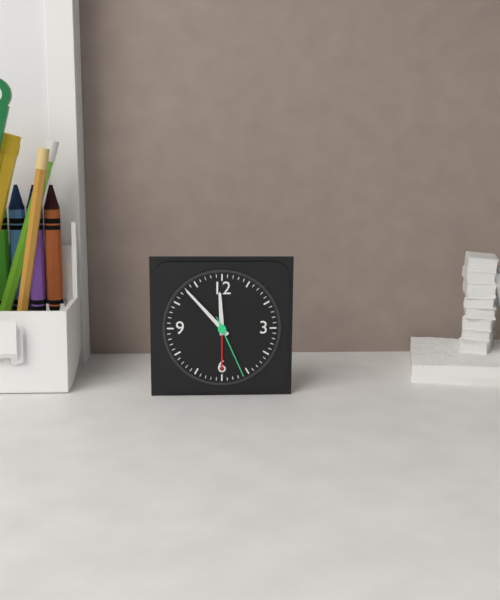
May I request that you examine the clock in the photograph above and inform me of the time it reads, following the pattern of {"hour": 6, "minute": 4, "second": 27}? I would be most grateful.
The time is {"hour": 11, "minute": 53, "second": 26}
